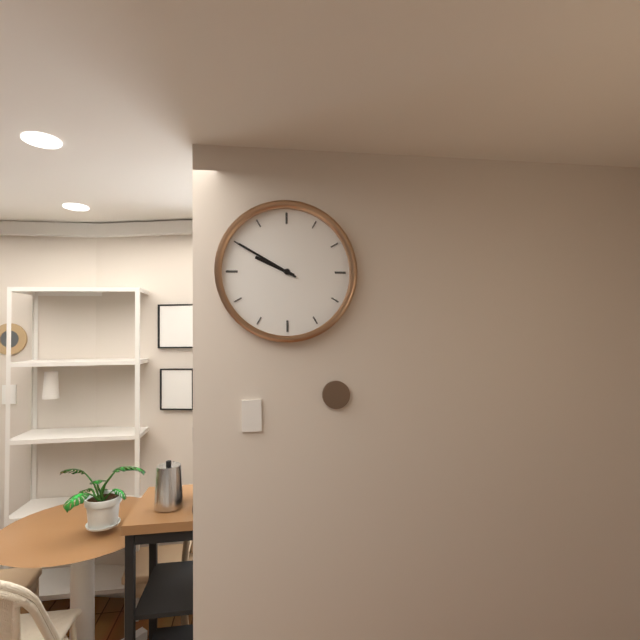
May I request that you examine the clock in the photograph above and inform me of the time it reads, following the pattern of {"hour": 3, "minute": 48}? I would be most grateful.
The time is {"hour": 9, "minute": 50}
